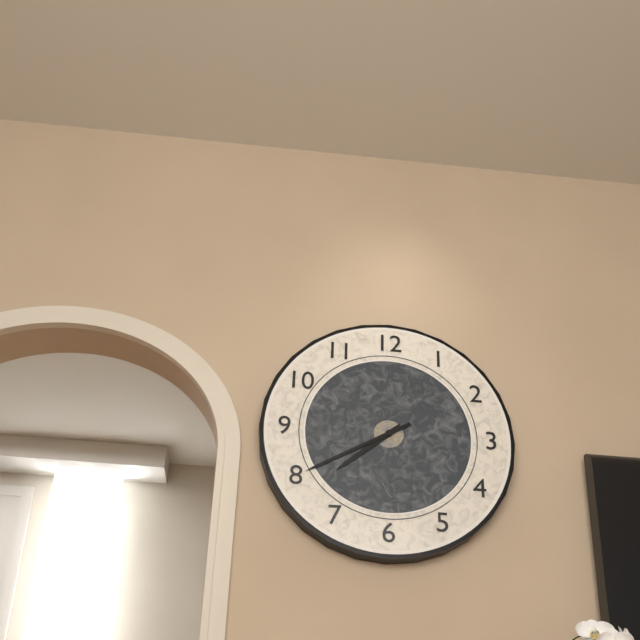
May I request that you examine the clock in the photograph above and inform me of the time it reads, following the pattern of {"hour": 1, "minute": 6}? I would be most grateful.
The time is {"hour": 7, "minute": 40}
